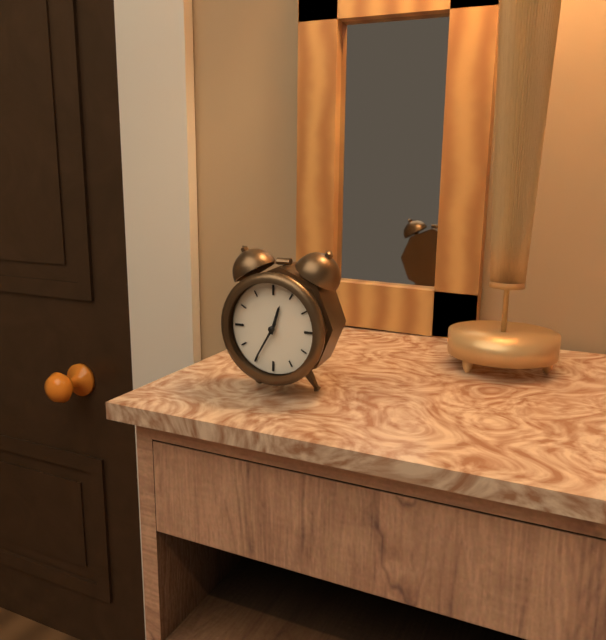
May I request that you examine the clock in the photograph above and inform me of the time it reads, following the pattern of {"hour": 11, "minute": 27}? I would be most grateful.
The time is {"hour": 12, "minute": 35}
